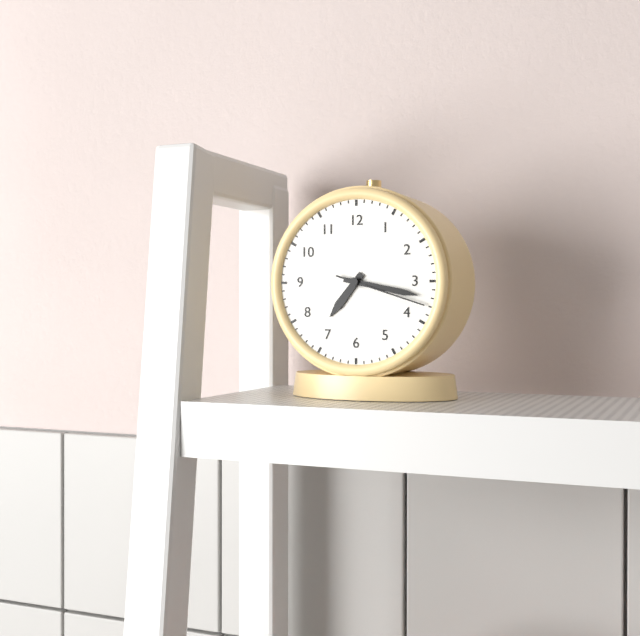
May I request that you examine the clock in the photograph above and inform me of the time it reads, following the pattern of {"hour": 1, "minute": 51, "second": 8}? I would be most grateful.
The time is {"hour": 7, "minute": 17, "second": 18}
